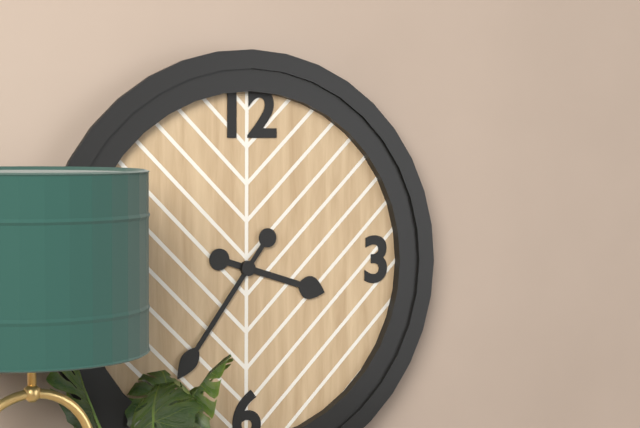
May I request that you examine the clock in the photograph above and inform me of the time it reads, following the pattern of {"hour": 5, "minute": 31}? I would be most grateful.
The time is {"hour": 3, "minute": 36}
